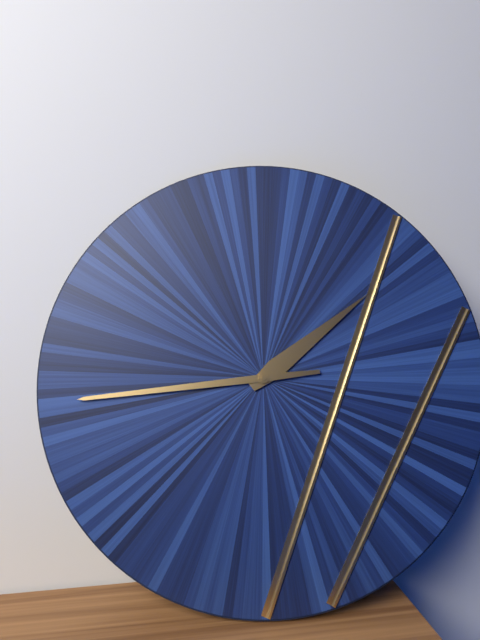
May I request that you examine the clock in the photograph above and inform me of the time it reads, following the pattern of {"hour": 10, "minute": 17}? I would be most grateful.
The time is {"hour": 1, "minute": 44}
